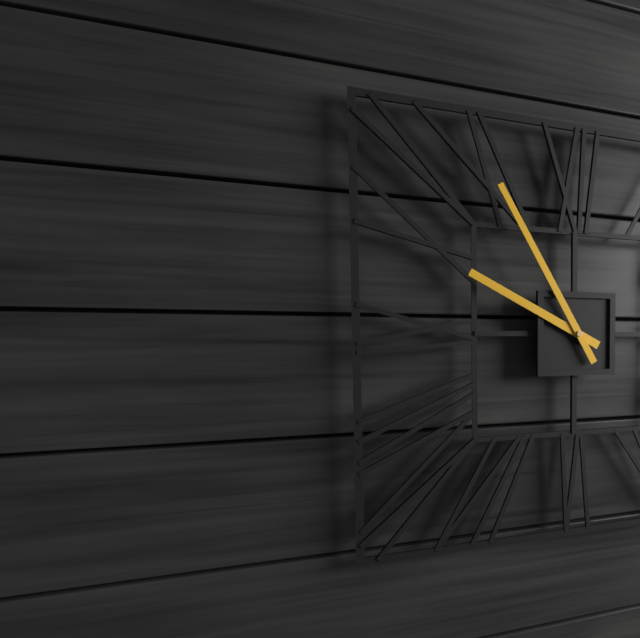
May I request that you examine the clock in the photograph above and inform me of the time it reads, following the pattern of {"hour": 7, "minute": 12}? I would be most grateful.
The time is {"hour": 9, "minute": 55}
